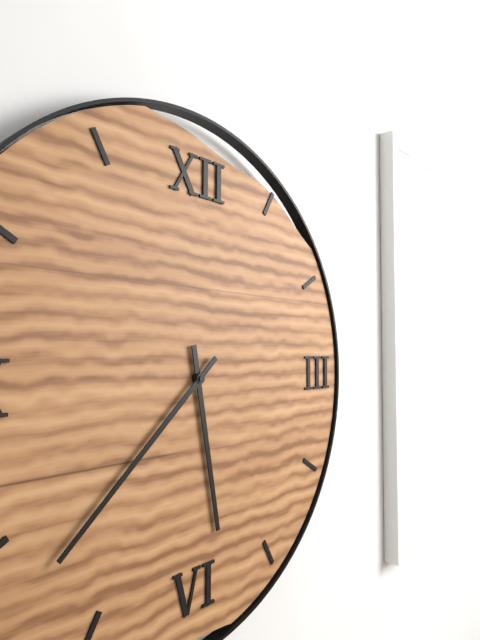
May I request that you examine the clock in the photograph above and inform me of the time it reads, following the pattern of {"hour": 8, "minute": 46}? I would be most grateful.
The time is {"hour": 5, "minute": 38}
